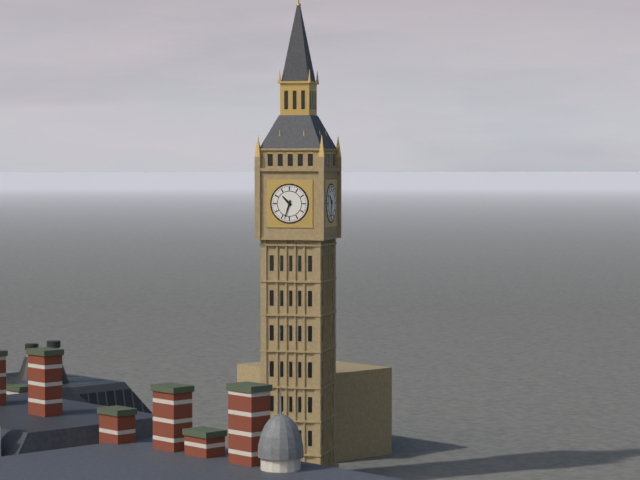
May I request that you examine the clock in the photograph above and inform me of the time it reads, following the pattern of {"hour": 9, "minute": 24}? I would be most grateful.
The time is {"hour": 10, "minute": 33}
